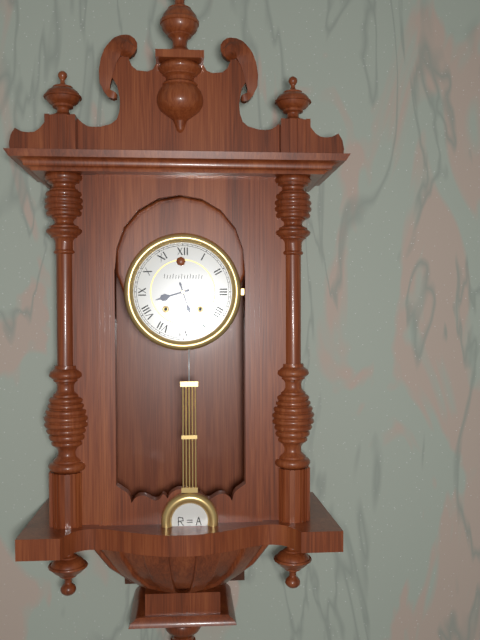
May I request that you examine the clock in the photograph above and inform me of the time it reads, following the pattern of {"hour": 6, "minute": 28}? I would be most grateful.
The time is {"hour": 8, "minute": 27}
